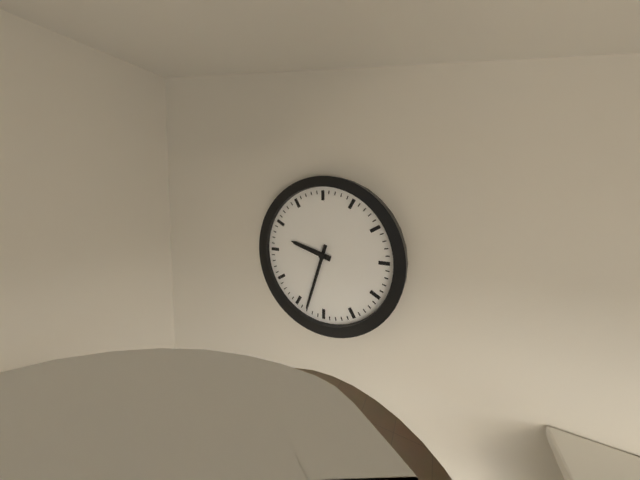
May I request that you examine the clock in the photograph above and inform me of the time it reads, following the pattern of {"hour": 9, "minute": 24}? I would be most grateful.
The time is {"hour": 9, "minute": 33}
